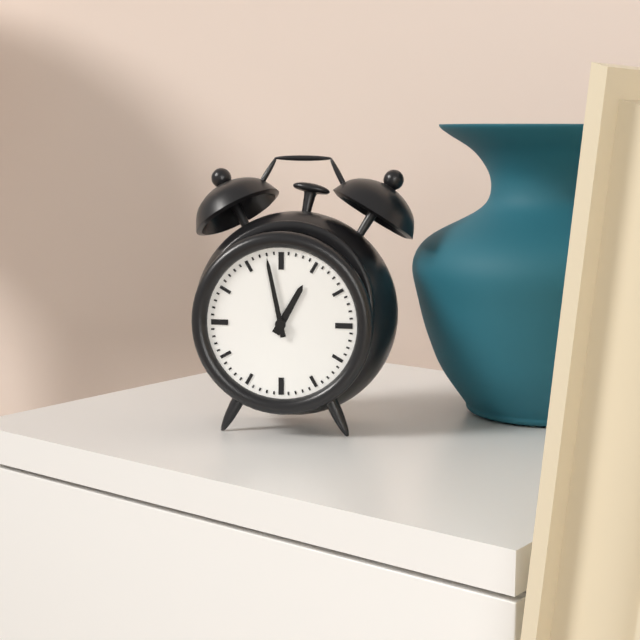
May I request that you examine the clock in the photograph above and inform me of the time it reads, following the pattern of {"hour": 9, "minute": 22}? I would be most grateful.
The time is {"hour": 12, "minute": 58}
